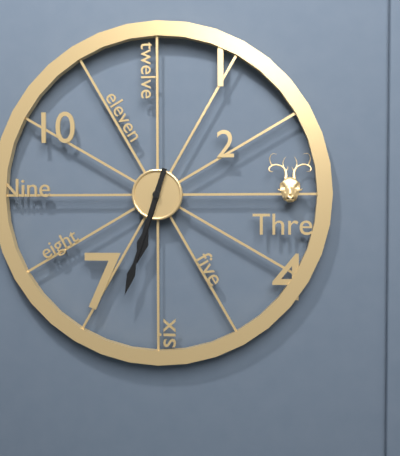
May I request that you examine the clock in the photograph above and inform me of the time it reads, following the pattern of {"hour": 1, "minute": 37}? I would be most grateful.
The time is {"hour": 6, "minute": 33}
